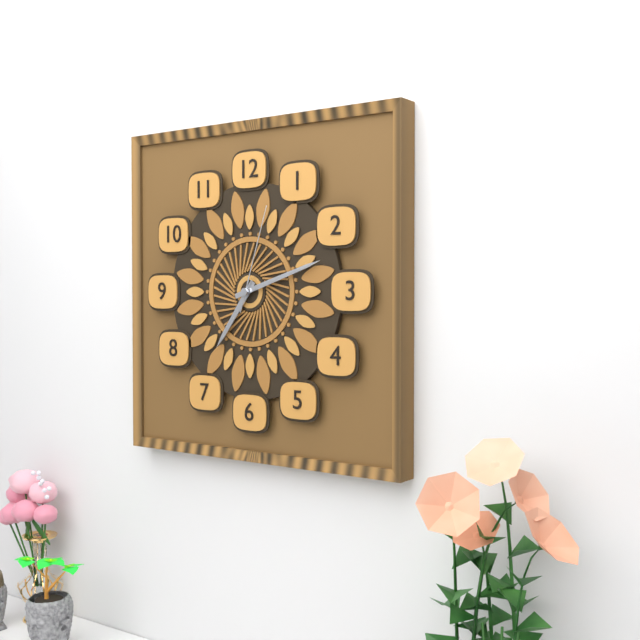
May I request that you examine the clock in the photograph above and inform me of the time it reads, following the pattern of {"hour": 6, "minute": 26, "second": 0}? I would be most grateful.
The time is {"hour": 7, "minute": 12, "second": 3}
